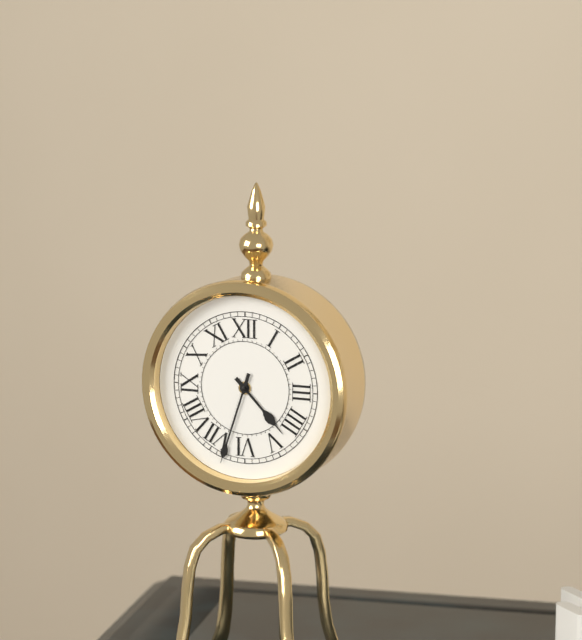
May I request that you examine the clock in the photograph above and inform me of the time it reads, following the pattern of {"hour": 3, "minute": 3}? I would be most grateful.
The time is {"hour": 4, "minute": 33}
